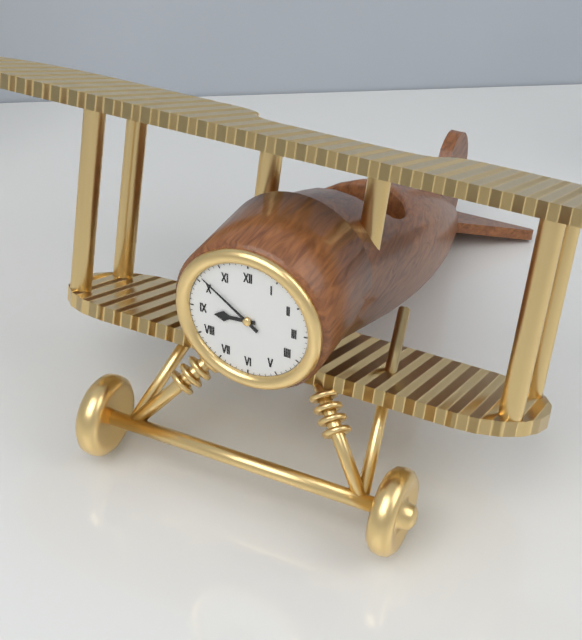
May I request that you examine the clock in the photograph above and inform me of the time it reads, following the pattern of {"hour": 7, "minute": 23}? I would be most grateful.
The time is {"hour": 8, "minute": 51}
